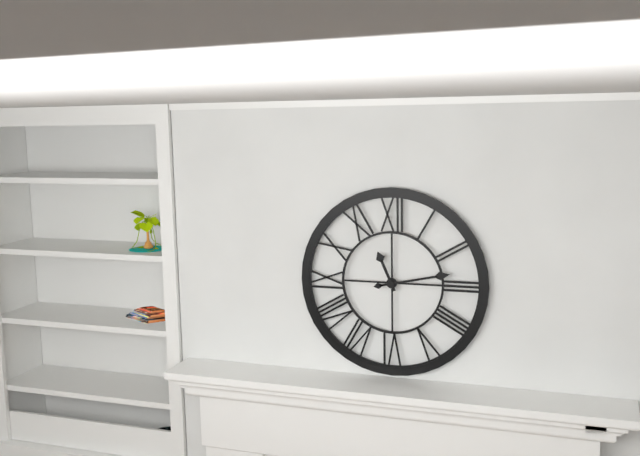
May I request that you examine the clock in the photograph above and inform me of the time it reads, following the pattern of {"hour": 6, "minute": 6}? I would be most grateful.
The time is {"hour": 11, "minute": 13}
